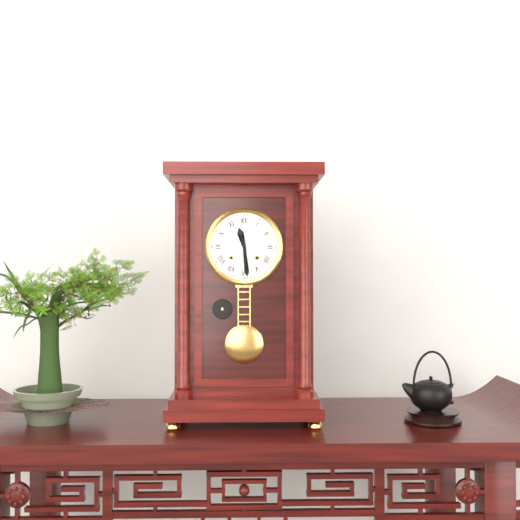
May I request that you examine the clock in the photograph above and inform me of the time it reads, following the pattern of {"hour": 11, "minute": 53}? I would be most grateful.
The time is {"hour": 11, "minute": 29}
